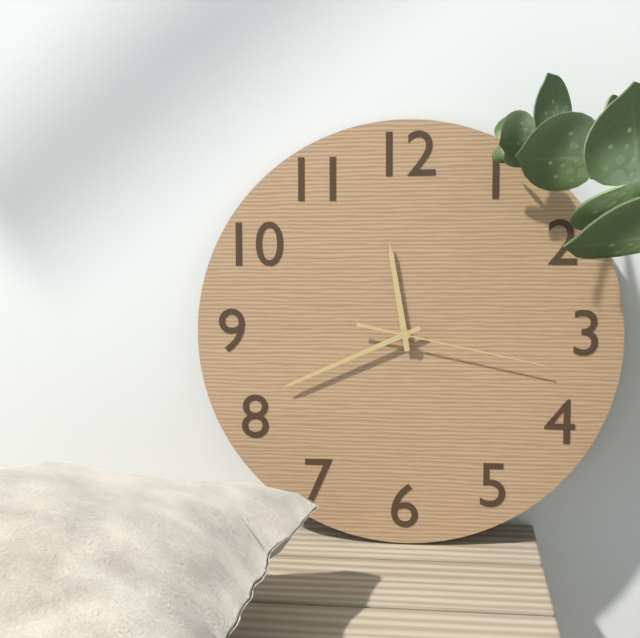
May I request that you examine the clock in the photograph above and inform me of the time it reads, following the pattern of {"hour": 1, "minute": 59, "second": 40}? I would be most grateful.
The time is {"hour": 11, "minute": 41, "second": 17}
